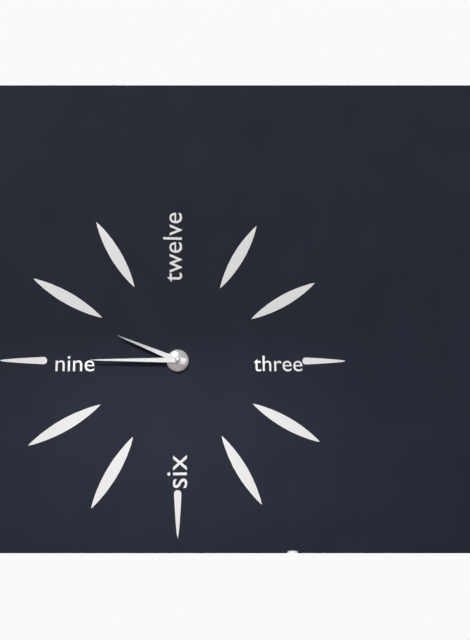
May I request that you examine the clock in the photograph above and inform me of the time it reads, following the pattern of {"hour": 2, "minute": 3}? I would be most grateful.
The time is {"hour": 9, "minute": 45}
